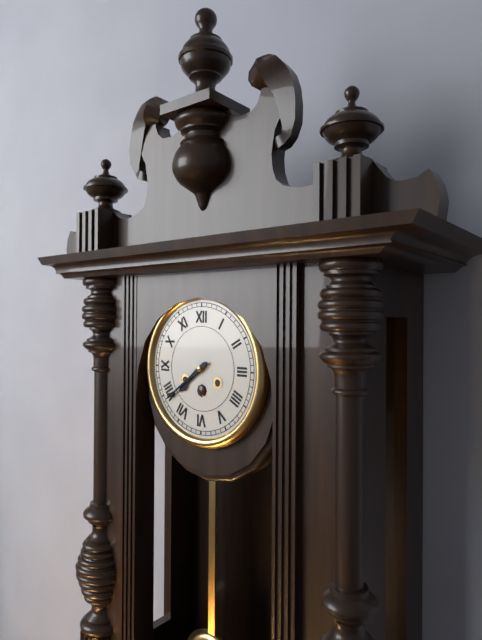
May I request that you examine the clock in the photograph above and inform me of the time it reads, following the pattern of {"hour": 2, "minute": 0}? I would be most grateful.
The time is {"hour": 7, "minute": 39}
